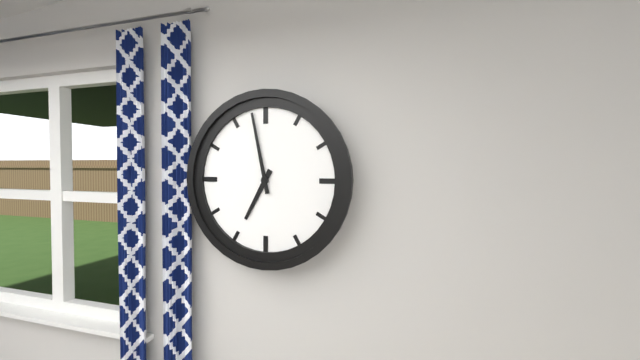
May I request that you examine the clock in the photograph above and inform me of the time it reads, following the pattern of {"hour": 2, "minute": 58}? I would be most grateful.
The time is {"hour": 6, "minute": 58}
